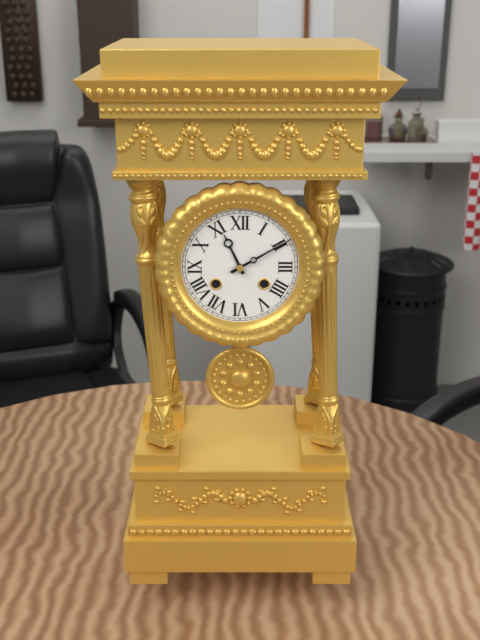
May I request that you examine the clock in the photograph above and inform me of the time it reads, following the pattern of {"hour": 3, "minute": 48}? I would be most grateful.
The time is {"hour": 11, "minute": 10}
